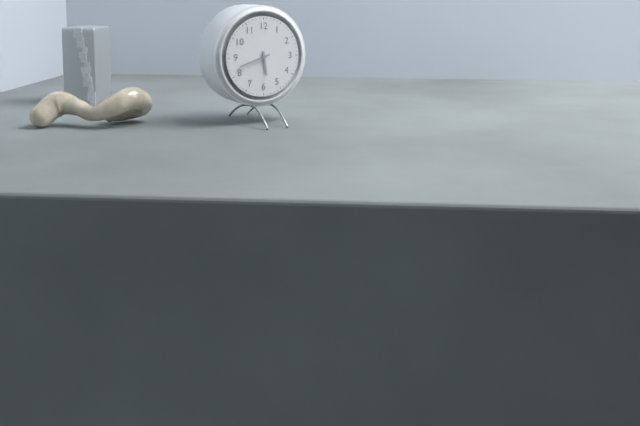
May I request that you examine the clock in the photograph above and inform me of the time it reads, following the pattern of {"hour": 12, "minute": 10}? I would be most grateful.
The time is {"hour": 5, "minute": 42}
